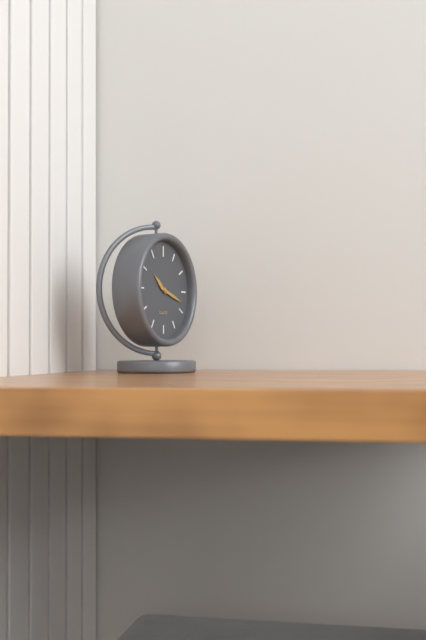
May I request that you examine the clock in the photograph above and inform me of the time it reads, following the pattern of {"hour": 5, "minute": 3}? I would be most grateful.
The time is {"hour": 10, "minute": 18}
